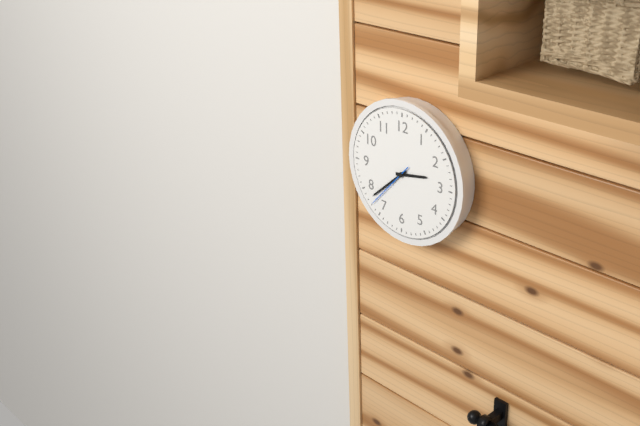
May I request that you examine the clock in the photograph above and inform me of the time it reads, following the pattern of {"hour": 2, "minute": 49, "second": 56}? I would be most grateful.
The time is {"hour": 2, "minute": 38, "second": 37}
